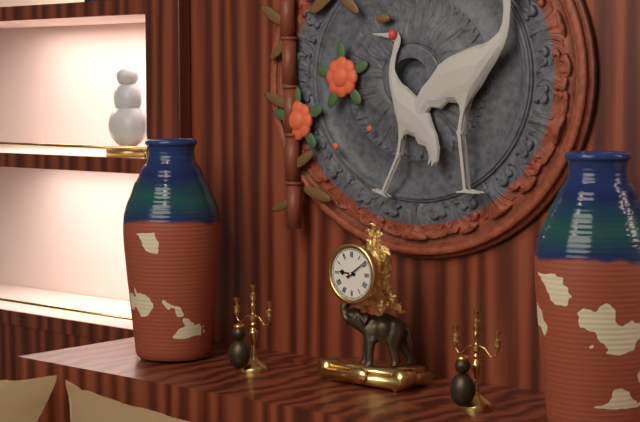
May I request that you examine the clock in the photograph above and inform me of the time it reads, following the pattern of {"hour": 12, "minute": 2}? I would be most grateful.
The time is {"hour": 9, "minute": 9}
